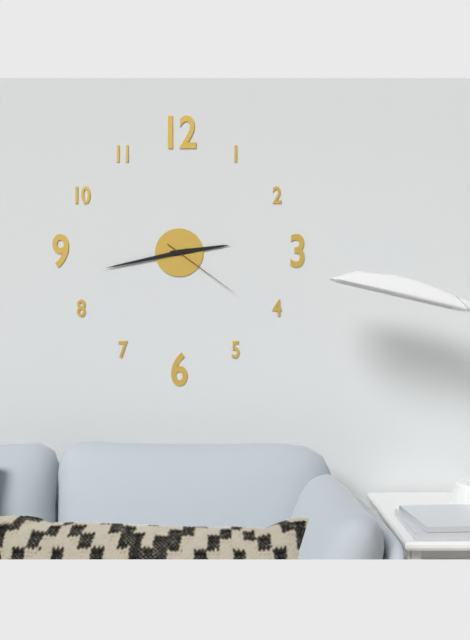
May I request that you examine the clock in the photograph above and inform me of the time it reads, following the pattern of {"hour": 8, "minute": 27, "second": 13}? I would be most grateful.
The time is {"hour": 2, "minute": 43, "second": 21}
